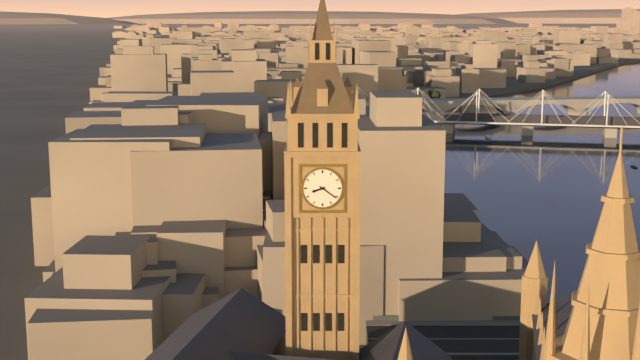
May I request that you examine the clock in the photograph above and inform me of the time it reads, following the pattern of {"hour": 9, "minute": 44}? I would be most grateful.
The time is {"hour": 8, "minute": 21}
